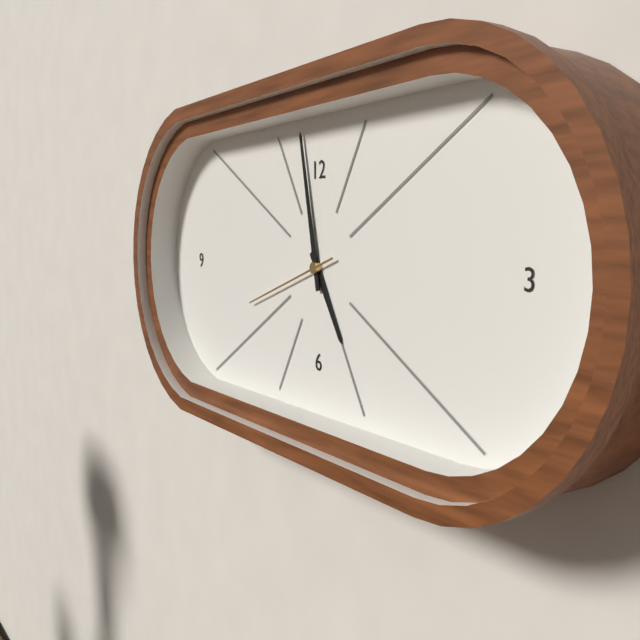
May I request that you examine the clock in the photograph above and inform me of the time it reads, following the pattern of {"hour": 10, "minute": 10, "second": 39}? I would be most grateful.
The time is {"hour": 4, "minute": 58, "second": 42}
